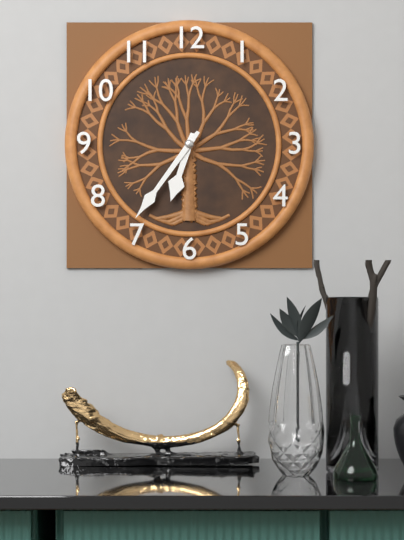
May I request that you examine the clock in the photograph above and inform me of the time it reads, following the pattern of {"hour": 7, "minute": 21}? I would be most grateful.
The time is {"hour": 6, "minute": 36}
